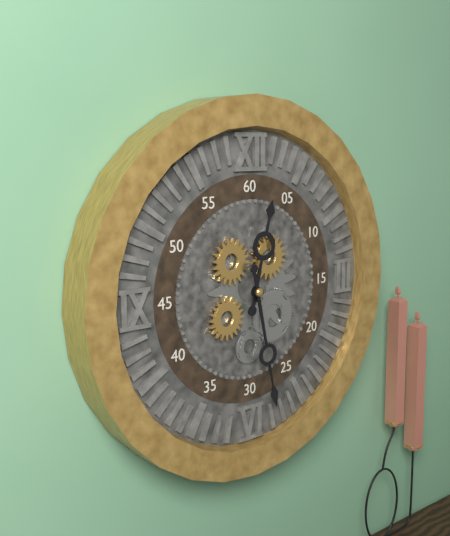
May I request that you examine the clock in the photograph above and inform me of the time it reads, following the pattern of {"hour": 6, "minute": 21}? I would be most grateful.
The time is {"hour": 12, "minute": 28}
